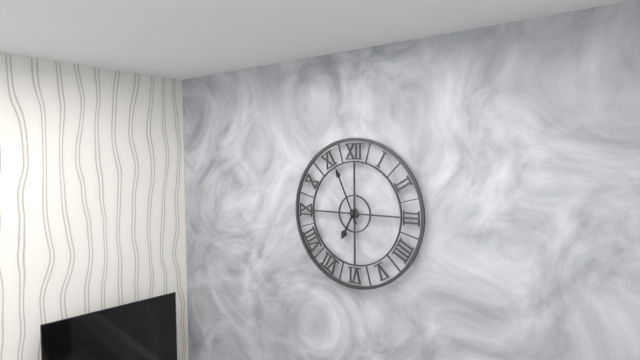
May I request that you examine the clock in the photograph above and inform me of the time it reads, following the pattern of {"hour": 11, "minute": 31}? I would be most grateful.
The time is {"hour": 6, "minute": 56}
